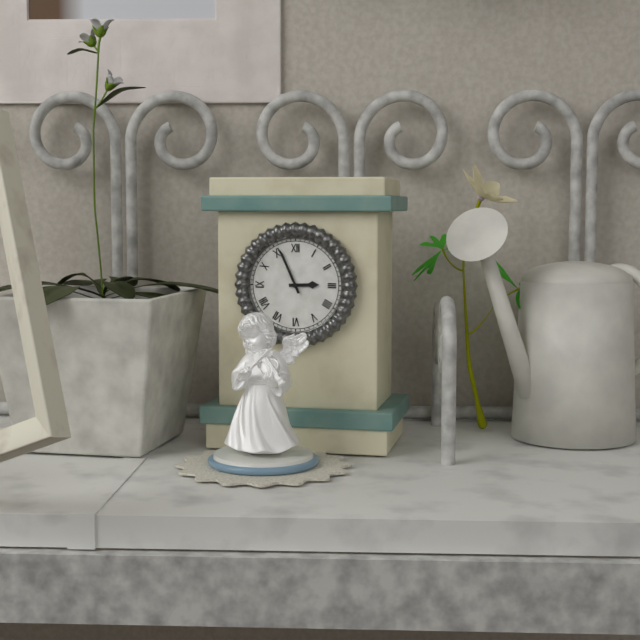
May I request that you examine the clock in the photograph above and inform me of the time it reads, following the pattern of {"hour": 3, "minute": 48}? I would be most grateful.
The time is {"hour": 2, "minute": 56}
